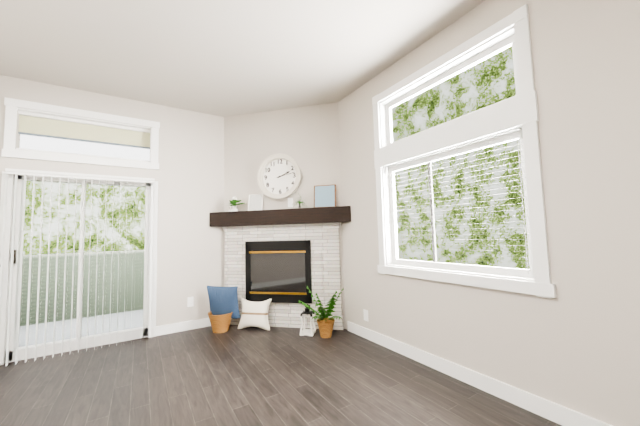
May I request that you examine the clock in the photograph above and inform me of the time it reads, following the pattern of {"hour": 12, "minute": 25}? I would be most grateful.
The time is {"hour": 2, "minute": 13}
